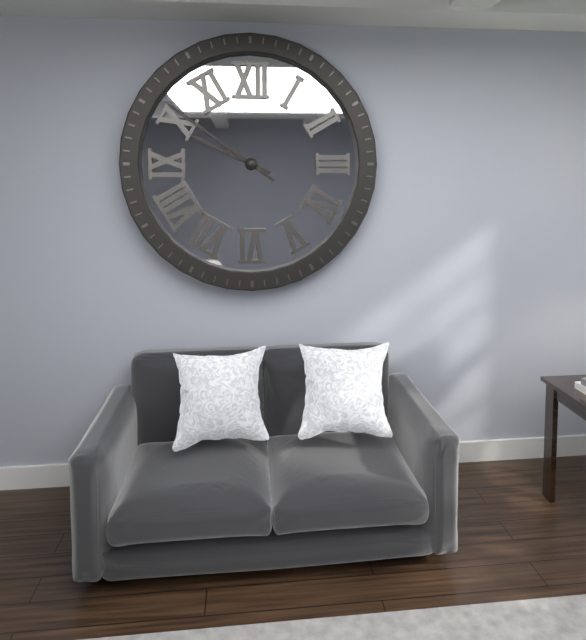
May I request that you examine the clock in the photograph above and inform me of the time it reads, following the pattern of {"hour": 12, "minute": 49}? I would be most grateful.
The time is {"hour": 9, "minute": 51}
